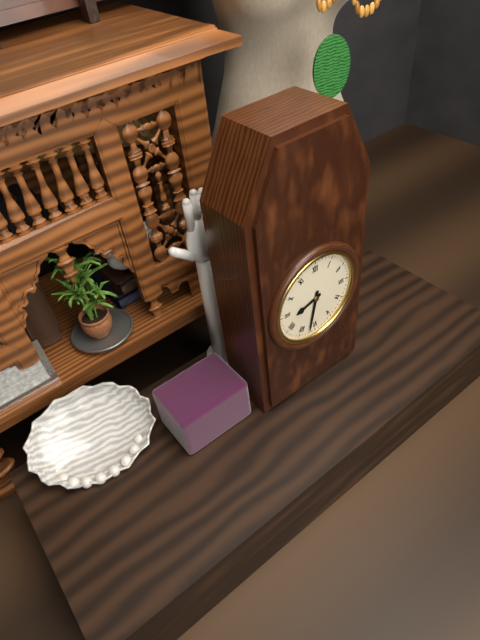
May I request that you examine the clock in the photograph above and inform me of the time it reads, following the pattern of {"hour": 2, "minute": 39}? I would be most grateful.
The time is {"hour": 8, "minute": 32}
